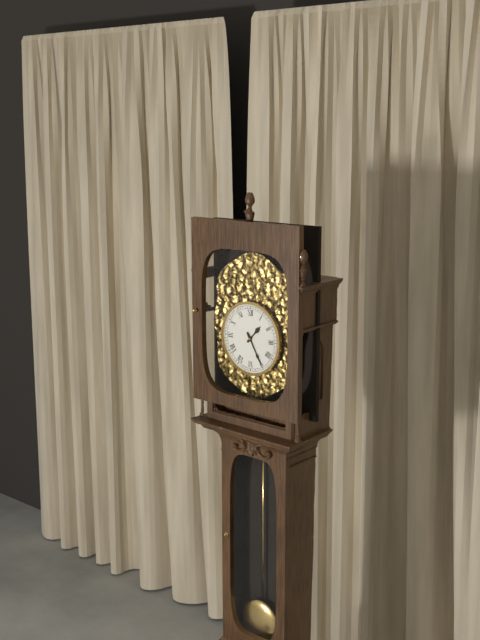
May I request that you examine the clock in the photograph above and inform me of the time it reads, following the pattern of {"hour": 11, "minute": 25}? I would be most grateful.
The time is {"hour": 1, "minute": 25}
